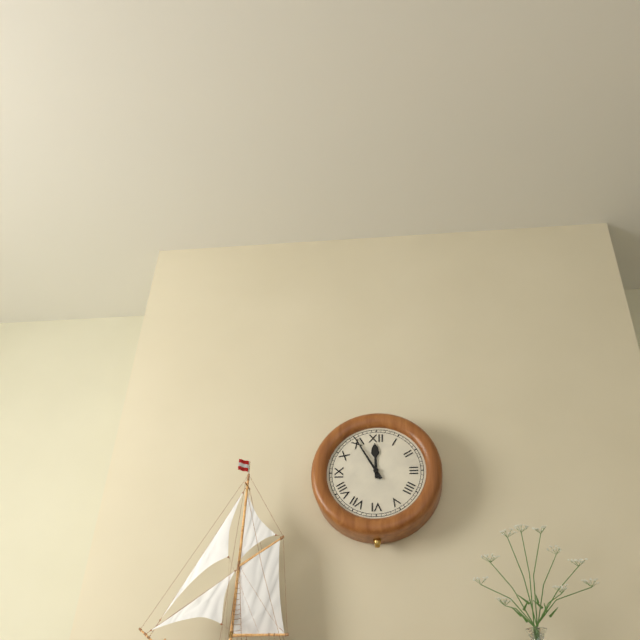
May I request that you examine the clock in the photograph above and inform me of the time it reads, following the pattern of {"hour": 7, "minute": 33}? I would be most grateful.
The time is {"hour": 11, "minute": 55}
